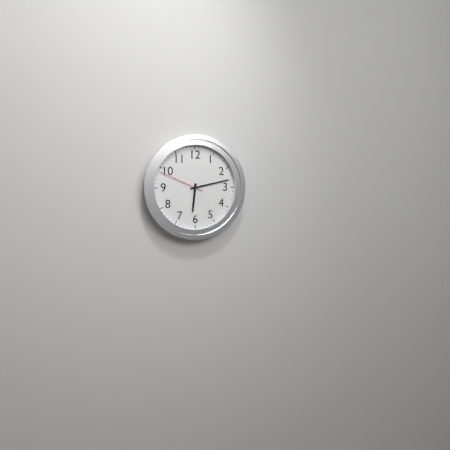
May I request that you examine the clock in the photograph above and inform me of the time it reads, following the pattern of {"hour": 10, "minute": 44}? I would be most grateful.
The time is {"hour": 6, "minute": 13}
